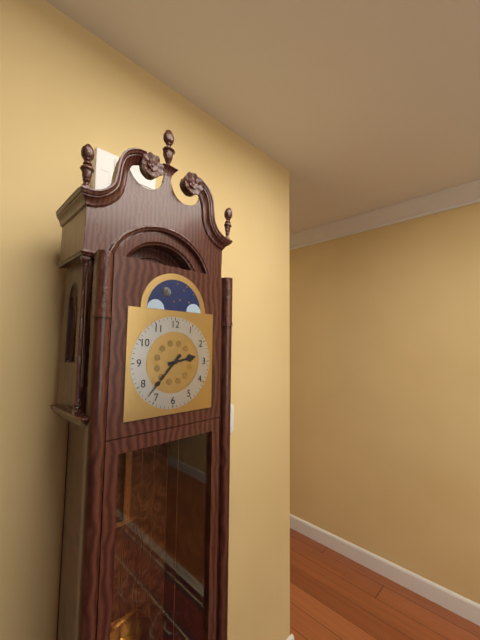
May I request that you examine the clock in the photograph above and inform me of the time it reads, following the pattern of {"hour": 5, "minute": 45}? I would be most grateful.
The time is {"hour": 2, "minute": 37}
